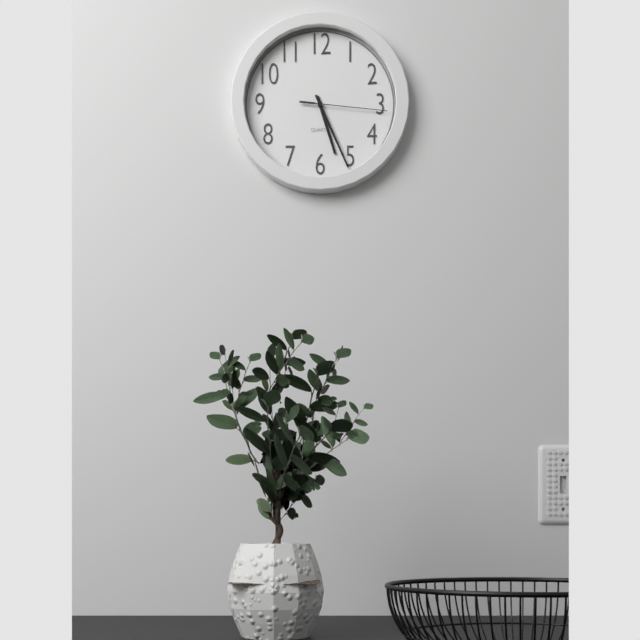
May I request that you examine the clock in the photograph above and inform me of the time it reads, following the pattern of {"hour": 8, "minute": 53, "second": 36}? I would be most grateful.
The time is {"hour": 5, "minute": 26, "second": 16}
